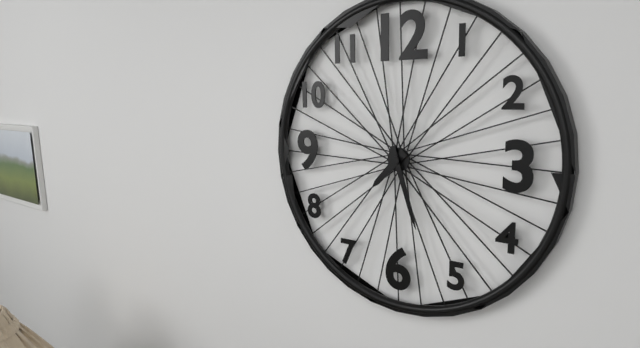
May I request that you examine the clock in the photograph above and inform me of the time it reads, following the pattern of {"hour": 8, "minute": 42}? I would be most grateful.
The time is {"hour": 7, "minute": 27}
